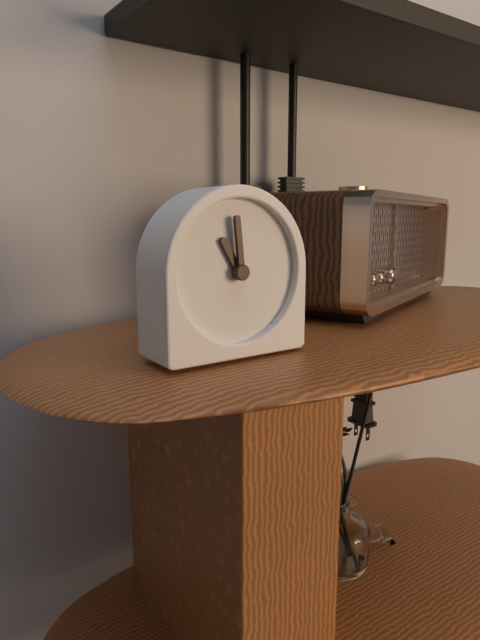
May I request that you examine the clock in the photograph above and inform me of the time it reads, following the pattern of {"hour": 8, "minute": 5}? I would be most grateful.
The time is {"hour": 10, "minute": 59}
